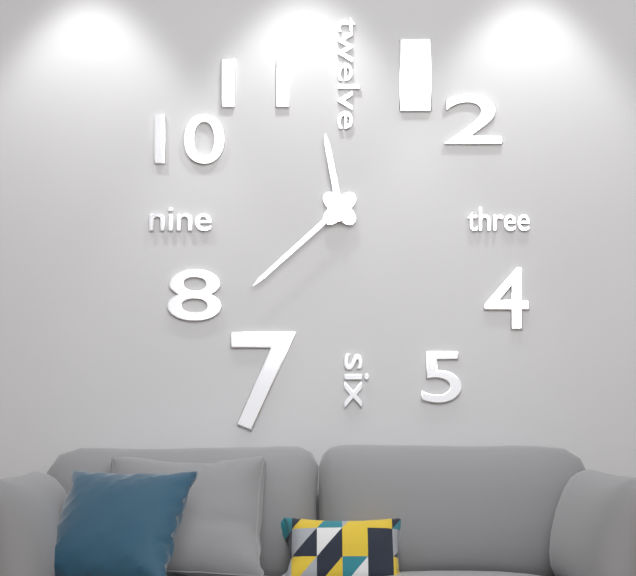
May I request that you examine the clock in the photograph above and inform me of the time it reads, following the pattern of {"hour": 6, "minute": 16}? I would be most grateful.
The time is {"hour": 11, "minute": 38}
